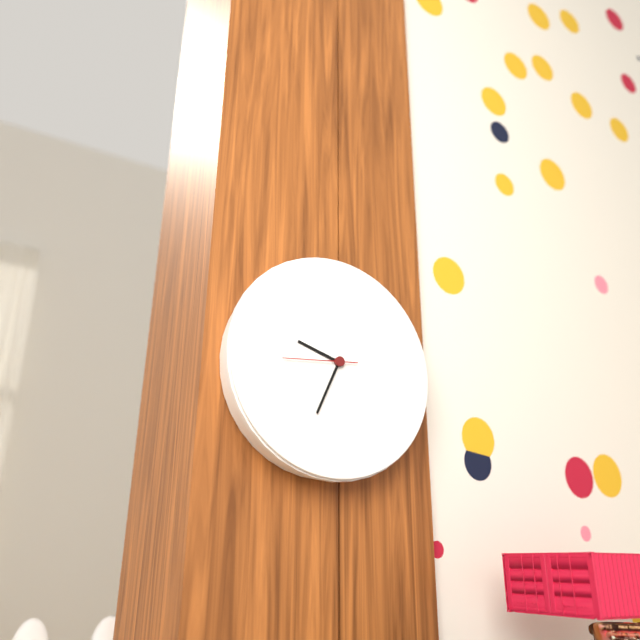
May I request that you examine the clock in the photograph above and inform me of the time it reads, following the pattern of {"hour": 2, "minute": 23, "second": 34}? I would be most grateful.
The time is {"hour": 9, "minute": 34, "second": 44}
